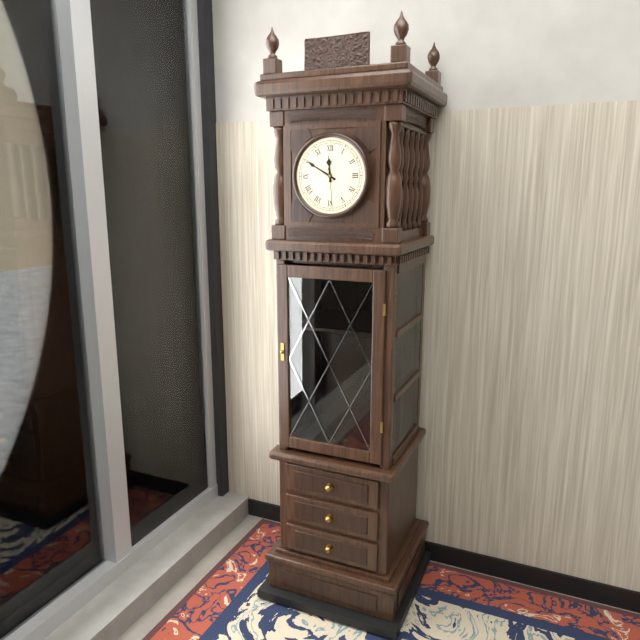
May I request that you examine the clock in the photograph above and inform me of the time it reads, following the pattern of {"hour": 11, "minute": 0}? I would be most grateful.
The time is {"hour": 11, "minute": 50}
